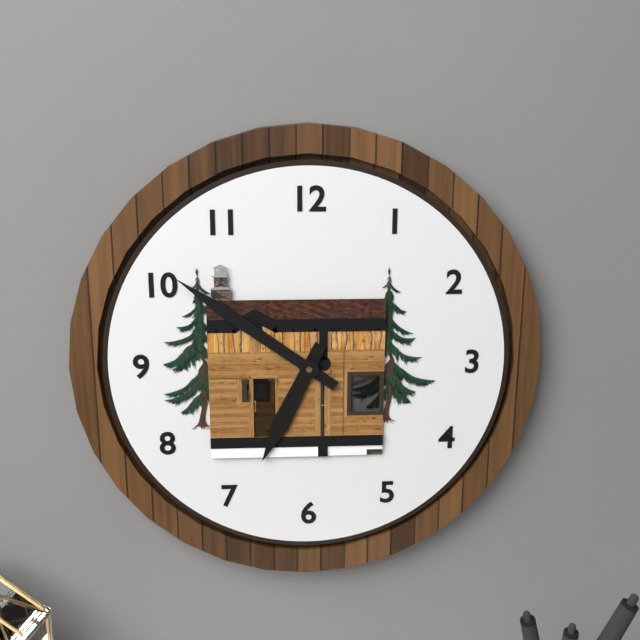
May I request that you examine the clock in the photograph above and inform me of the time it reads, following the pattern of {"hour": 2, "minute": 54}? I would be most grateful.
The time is {"hour": 6, "minute": 51}
